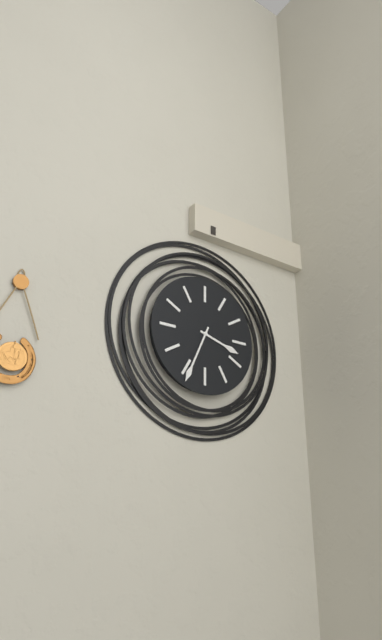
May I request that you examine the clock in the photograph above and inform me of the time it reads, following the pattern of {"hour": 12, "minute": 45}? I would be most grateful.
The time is {"hour": 3, "minute": 34}
